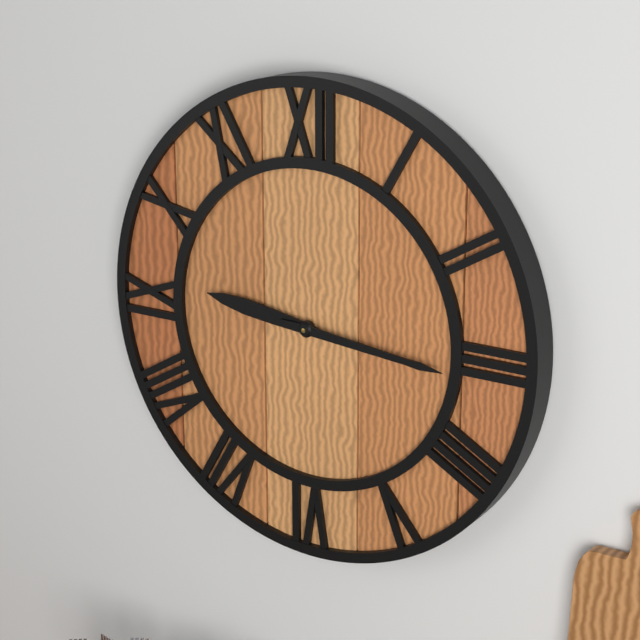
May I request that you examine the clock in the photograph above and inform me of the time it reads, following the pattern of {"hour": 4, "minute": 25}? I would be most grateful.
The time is {"hour": 9, "minute": 16}
